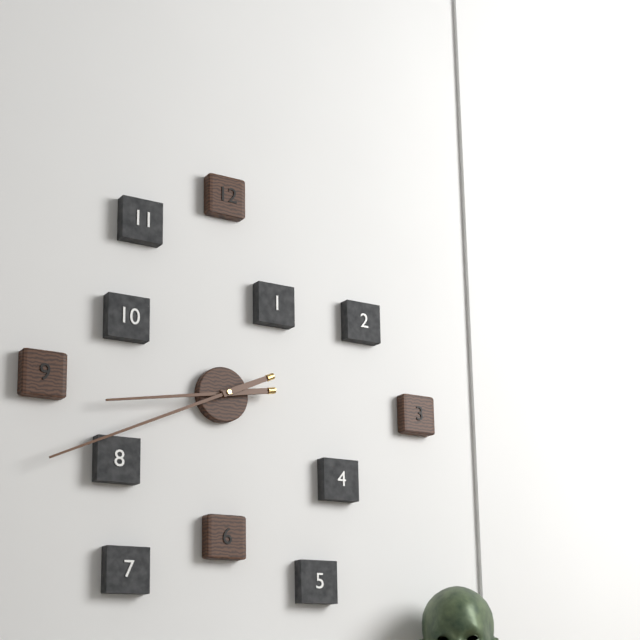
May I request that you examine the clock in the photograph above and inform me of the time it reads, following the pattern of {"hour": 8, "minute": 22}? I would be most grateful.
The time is {"hour": 8, "minute": 41}
